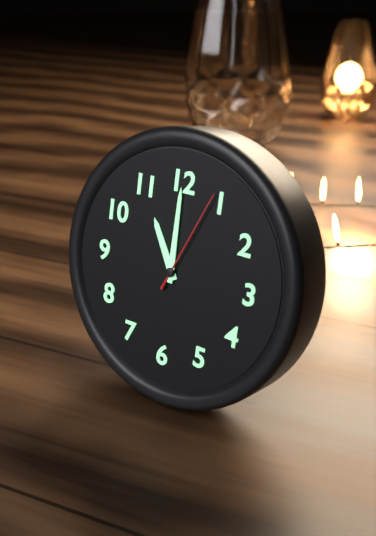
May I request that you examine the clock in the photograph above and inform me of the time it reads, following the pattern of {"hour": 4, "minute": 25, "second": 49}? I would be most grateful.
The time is {"hour": 11, "minute": 0, "second": 4}
